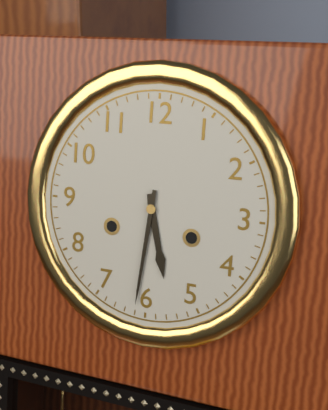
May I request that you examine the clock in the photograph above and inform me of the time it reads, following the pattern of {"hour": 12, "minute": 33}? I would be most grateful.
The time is {"hour": 5, "minute": 31}
